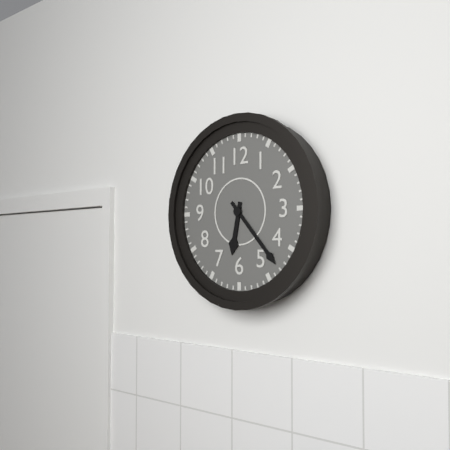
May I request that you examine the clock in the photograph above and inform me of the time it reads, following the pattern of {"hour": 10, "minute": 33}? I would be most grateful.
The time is {"hour": 6, "minute": 23}
